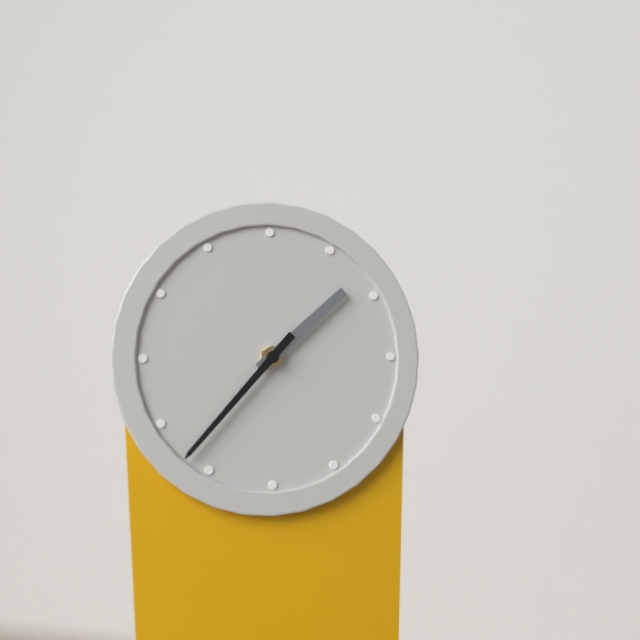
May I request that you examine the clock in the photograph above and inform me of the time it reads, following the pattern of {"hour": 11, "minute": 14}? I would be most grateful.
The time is {"hour": 1, "minute": 37}
